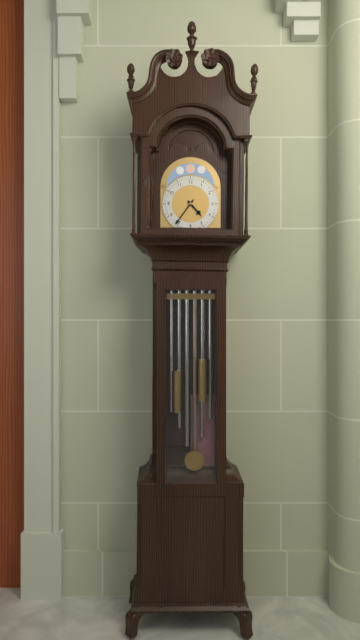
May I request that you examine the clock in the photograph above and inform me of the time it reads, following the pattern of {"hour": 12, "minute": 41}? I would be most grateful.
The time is {"hour": 4, "minute": 36}
